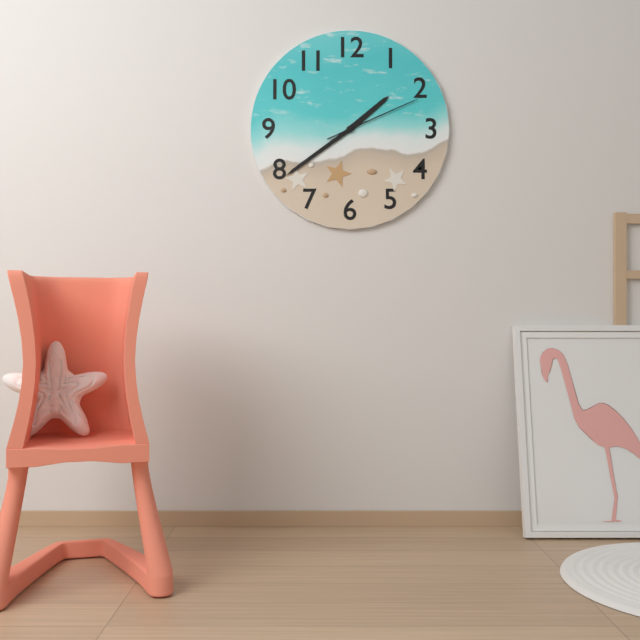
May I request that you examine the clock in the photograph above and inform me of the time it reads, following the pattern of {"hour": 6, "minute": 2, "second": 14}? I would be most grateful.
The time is {"hour": 1, "minute": 39, "second": 11}
